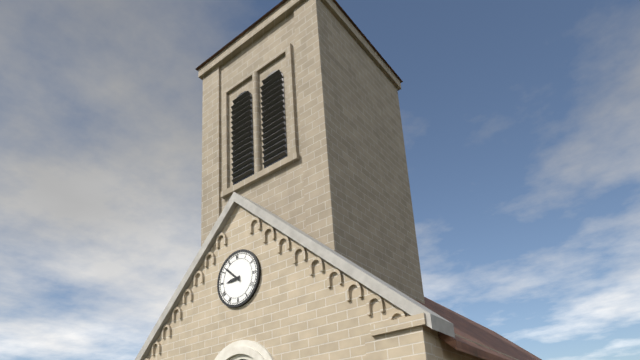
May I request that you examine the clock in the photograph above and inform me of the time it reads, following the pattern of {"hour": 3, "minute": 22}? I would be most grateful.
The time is {"hour": 8, "minute": 52}
